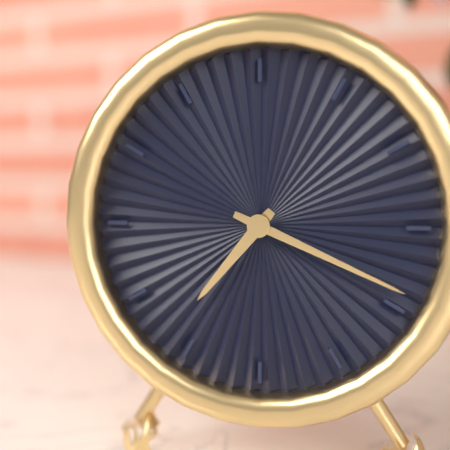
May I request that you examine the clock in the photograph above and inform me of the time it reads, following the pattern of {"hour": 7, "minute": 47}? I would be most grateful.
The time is {"hour": 7, "minute": 19}
